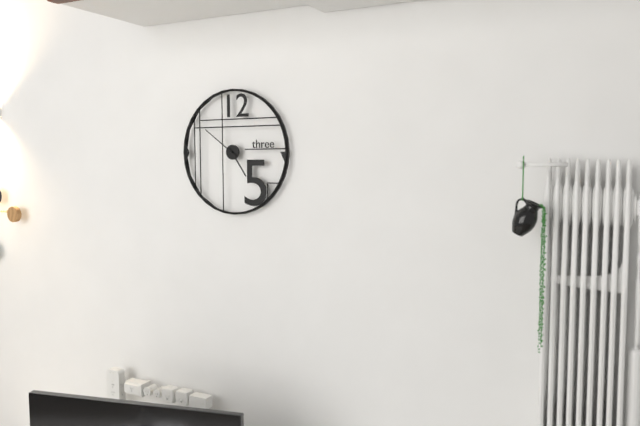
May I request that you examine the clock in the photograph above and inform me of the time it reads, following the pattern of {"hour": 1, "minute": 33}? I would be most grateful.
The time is {"hour": 4, "minute": 51}
